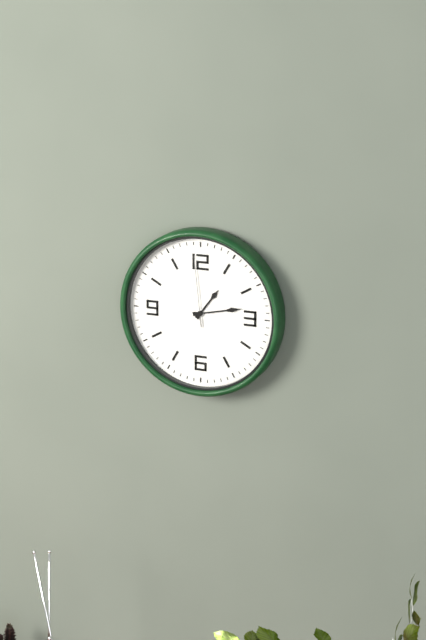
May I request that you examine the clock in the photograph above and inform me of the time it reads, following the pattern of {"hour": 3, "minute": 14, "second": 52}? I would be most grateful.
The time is {"hour": 1, "minute": 13, "second": 59}
